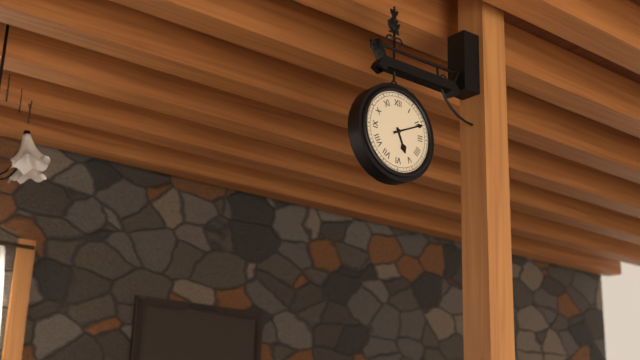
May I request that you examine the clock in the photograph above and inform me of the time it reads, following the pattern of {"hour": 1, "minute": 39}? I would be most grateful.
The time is {"hour": 5, "minute": 11}
